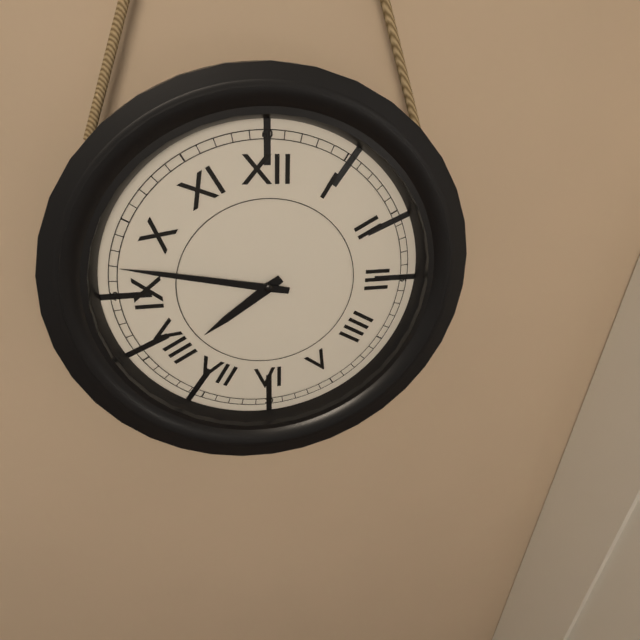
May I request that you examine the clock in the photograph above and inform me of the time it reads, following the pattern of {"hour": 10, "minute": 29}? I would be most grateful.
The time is {"hour": 7, "minute": 47}
